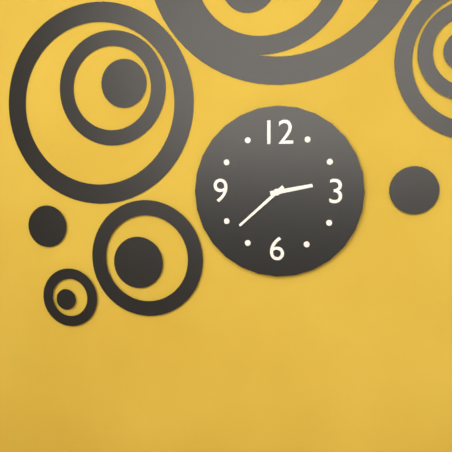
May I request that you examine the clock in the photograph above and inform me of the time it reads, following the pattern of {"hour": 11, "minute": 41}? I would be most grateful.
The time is {"hour": 2, "minute": 38}
